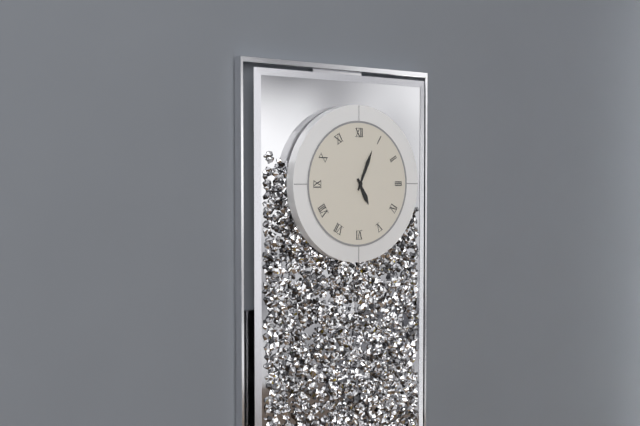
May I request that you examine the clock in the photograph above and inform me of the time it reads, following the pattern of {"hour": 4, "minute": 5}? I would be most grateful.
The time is {"hour": 5, "minute": 4}
